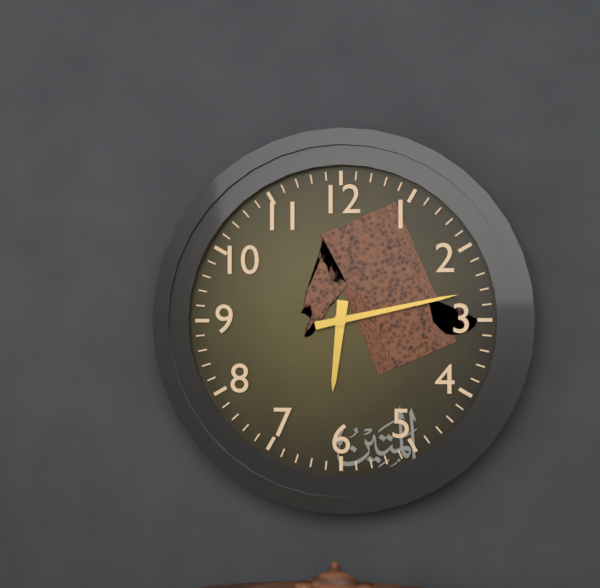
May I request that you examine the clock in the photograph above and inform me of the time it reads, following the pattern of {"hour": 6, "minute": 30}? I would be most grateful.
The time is {"hour": 6, "minute": 13}
